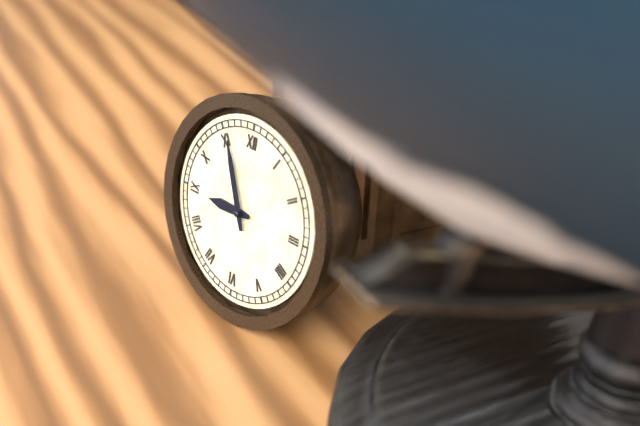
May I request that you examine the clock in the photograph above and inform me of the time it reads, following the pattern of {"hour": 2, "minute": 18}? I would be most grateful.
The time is {"hour": 8, "minute": 56}
